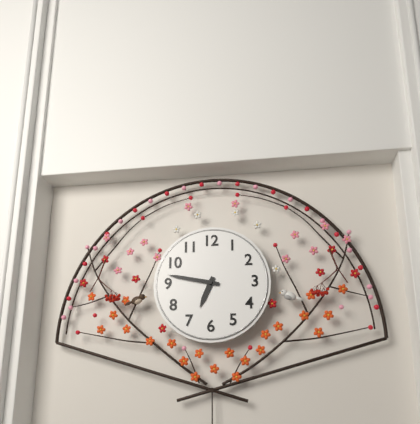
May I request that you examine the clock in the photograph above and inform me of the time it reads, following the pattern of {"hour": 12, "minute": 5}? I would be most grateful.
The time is {"hour": 6, "minute": 47}
